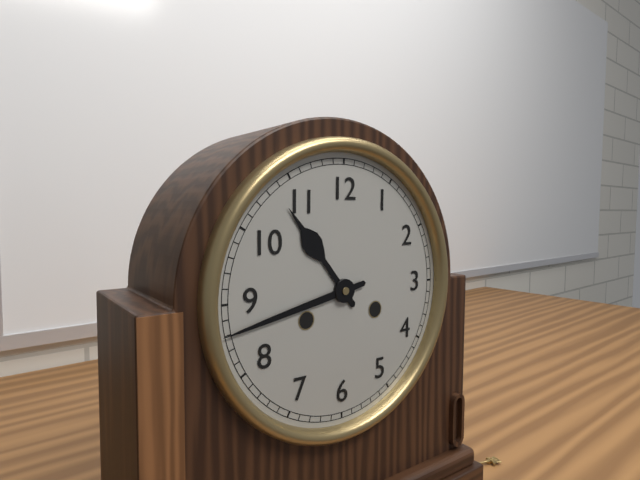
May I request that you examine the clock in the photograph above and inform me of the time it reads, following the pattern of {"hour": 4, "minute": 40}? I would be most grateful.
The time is {"hour": 10, "minute": 43}
